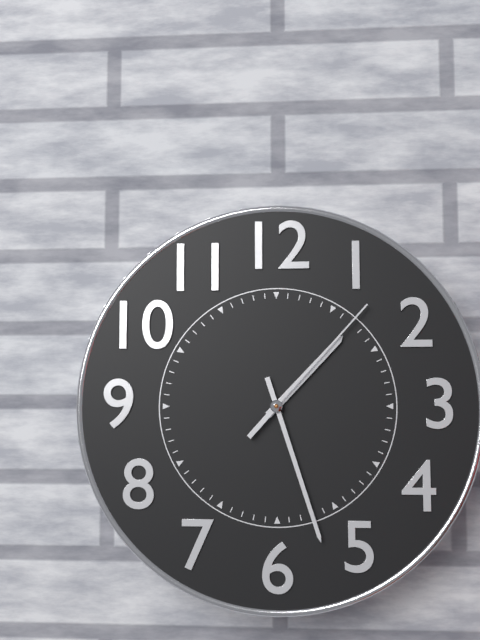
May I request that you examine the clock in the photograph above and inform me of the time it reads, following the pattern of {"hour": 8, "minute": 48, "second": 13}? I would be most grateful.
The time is {"hour": 1, "minute": 27, "second": 7}
